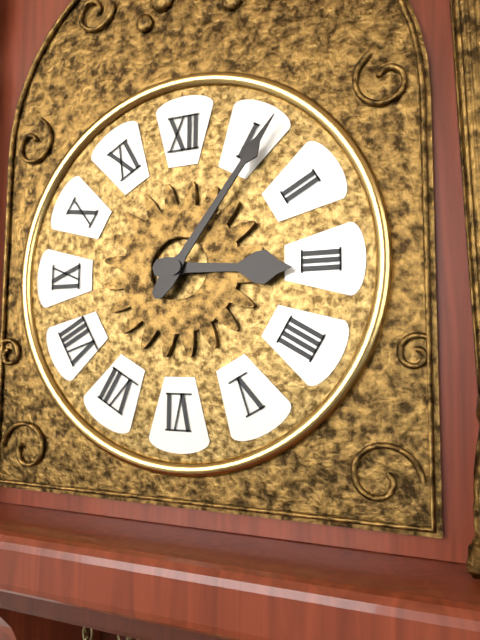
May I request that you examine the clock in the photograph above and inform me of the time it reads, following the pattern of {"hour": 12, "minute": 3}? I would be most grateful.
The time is {"hour": 3, "minute": 6}
